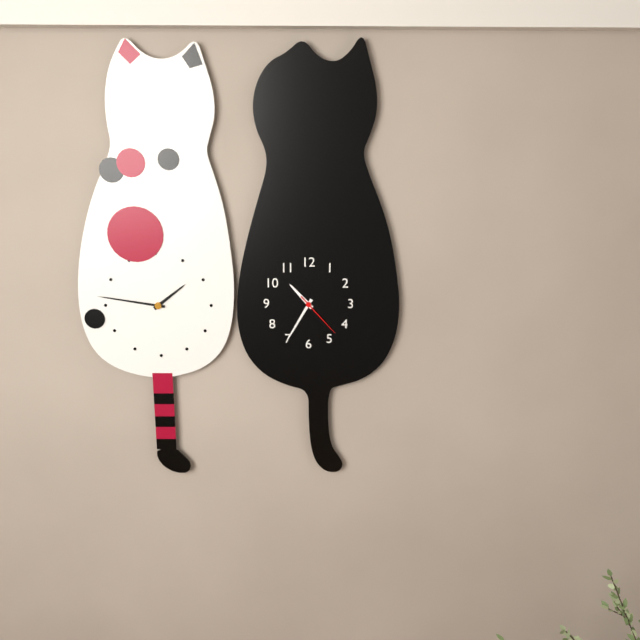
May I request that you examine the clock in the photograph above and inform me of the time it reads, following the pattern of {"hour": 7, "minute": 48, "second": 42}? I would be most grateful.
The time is {"hour": 10, "minute": 35, "second": 23}
